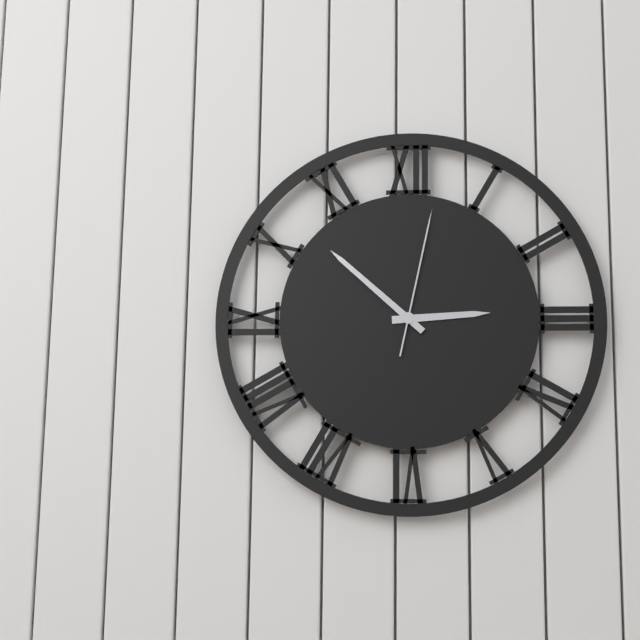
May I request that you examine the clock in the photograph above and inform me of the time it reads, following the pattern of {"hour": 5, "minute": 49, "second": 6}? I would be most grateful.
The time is {"hour": 2, "minute": 52, "second": 2}
